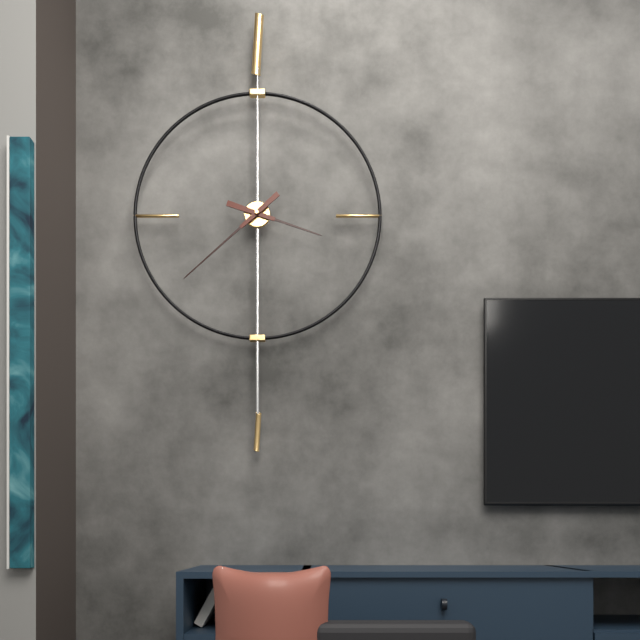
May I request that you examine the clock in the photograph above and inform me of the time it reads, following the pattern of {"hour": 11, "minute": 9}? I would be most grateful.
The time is {"hour": 3, "minute": 38}
